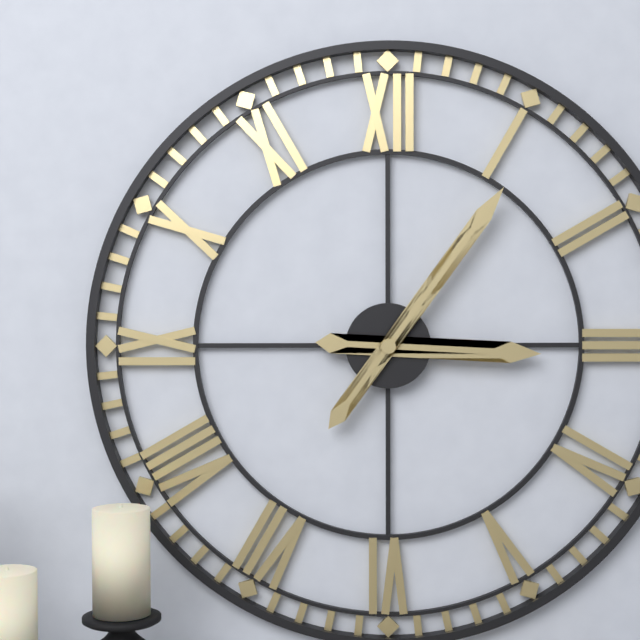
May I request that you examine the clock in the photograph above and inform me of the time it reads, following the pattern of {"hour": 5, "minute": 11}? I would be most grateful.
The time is {"hour": 3, "minute": 6}
